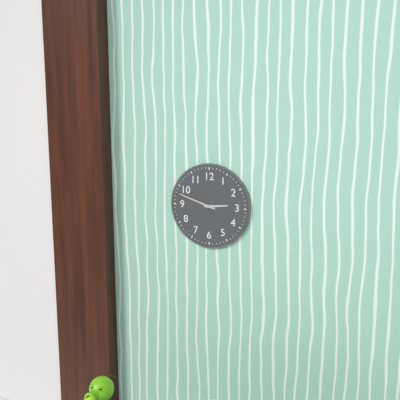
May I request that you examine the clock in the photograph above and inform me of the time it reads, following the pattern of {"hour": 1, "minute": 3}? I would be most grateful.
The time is {"hour": 2, "minute": 48}
